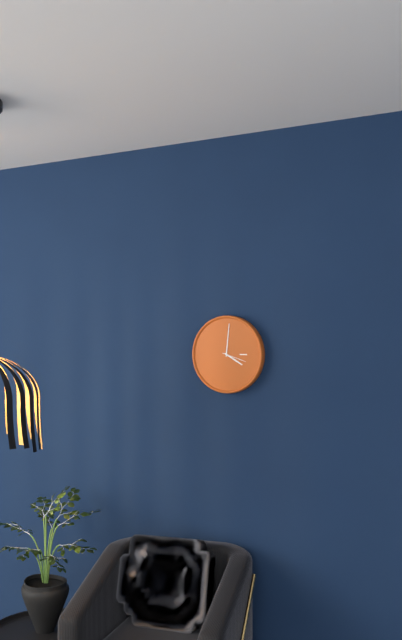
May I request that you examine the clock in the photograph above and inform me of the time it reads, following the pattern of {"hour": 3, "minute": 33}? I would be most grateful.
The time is {"hour": 4, "minute": 1}
